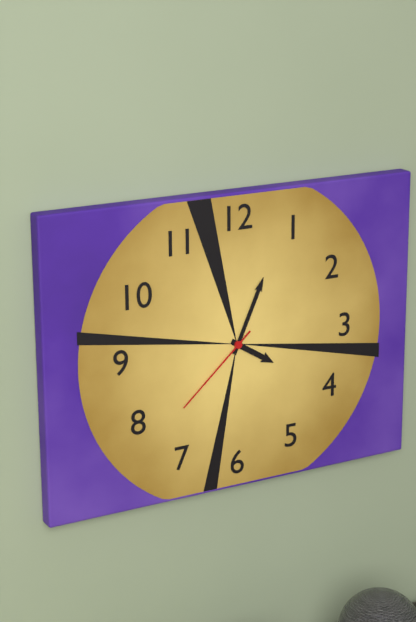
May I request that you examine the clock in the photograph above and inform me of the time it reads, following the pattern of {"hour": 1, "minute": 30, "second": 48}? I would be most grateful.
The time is {"hour": 4, "minute": 4, "second": 38}
